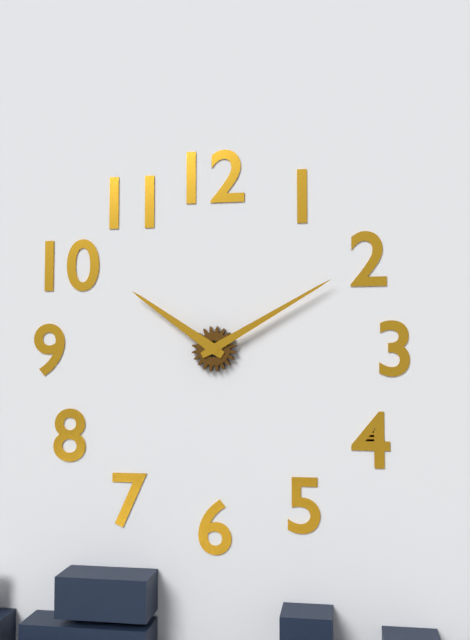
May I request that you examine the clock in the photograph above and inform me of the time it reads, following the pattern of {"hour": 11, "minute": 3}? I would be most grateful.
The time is {"hour": 10, "minute": 10}
